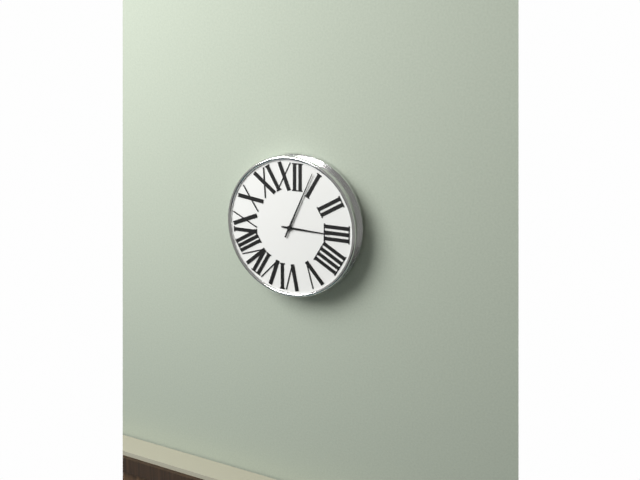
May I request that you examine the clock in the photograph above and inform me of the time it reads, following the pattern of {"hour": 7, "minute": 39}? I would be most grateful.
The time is {"hour": 3, "minute": 4}
